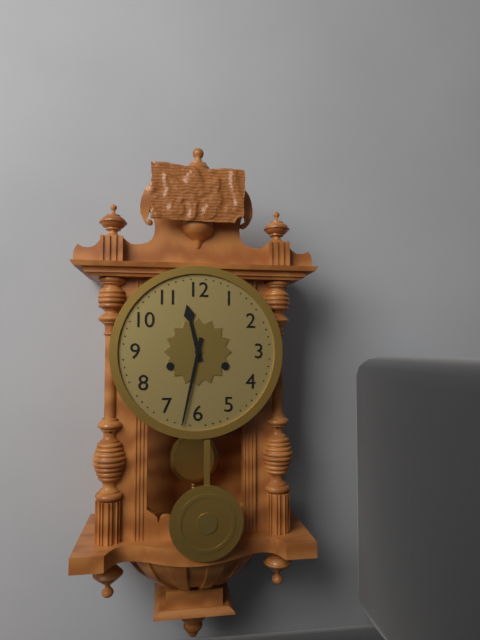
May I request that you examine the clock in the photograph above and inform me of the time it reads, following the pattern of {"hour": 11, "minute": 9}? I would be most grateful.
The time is {"hour": 11, "minute": 32}
